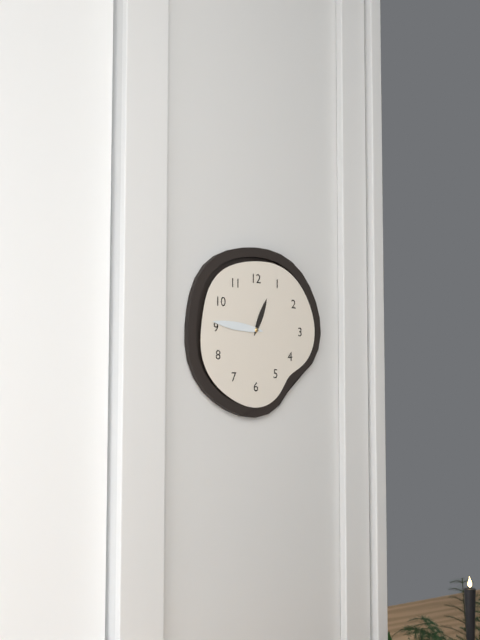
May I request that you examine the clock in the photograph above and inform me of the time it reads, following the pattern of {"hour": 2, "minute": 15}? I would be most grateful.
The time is {"hour": 12, "minute": 46}
